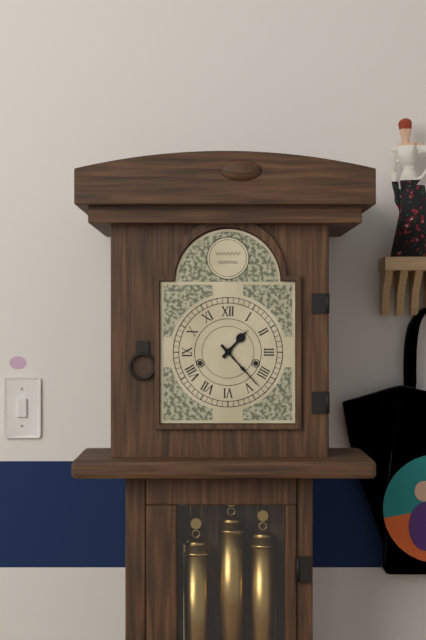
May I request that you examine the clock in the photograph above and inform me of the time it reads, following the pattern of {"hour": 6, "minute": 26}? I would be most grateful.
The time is {"hour": 1, "minute": 23}
